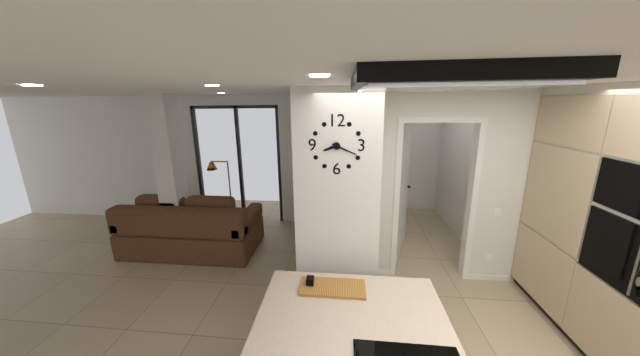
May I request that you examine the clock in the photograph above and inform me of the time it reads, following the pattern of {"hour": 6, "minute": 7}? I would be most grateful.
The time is {"hour": 8, "minute": 19}
